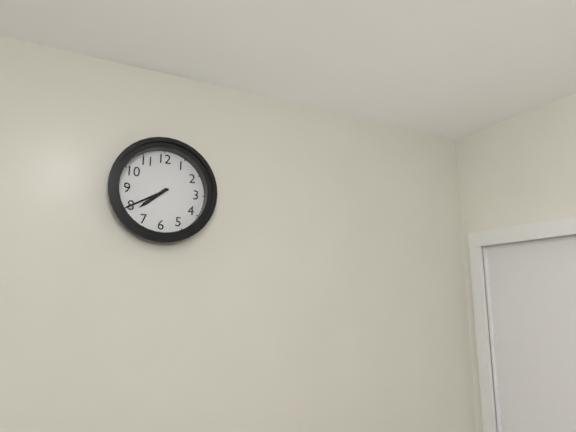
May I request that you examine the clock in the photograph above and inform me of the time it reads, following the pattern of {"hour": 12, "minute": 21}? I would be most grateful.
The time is {"hour": 7, "minute": 40}
